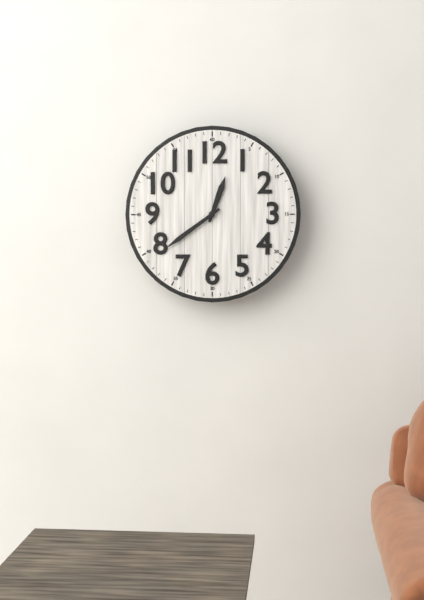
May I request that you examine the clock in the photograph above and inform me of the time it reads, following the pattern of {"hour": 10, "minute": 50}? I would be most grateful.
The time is {"hour": 12, "minute": 39}
